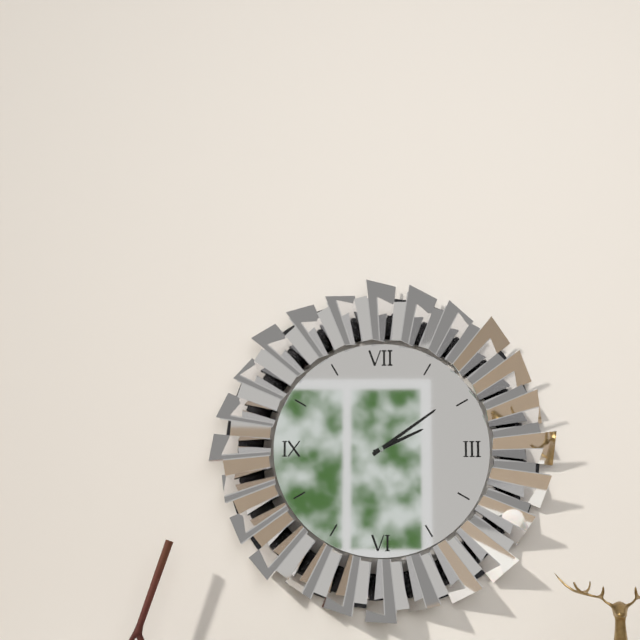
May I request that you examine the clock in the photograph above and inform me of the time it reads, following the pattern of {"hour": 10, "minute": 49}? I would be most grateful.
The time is {"hour": 2, "minute": 9}
